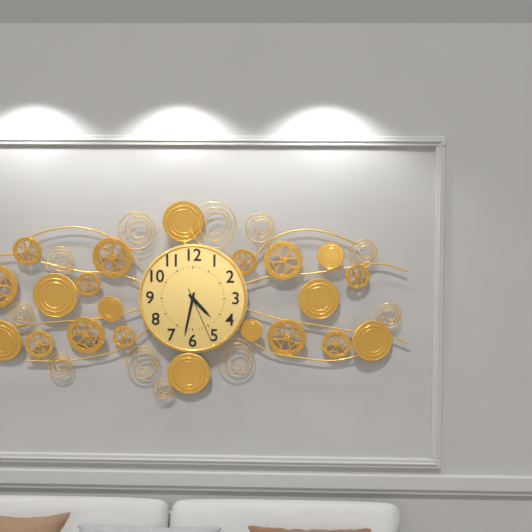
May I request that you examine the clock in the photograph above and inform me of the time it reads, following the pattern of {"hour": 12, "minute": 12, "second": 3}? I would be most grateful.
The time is {"hour": 4, "minute": 32, "second": 26}
